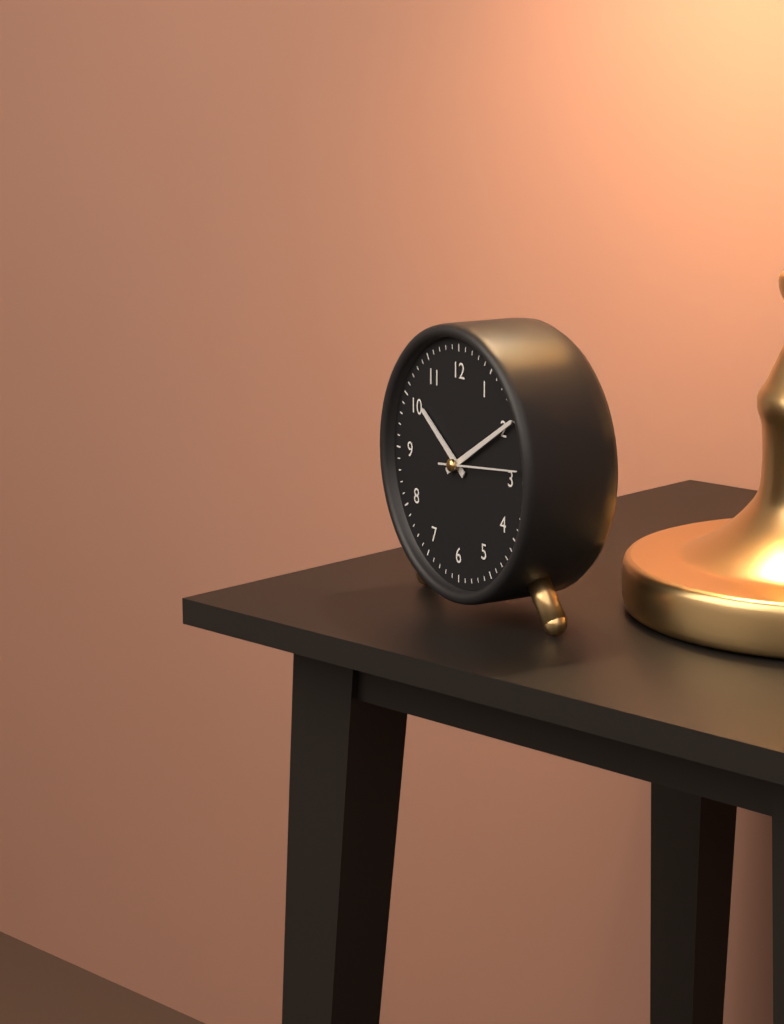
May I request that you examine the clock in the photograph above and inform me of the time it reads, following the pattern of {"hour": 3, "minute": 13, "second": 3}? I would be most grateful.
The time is {"hour": 10, "minute": 10, "second": 14}
